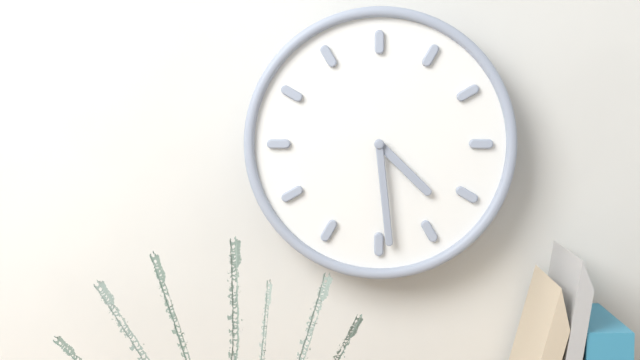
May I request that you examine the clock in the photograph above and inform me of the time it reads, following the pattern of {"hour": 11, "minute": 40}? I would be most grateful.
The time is {"hour": 4, "minute": 29}
